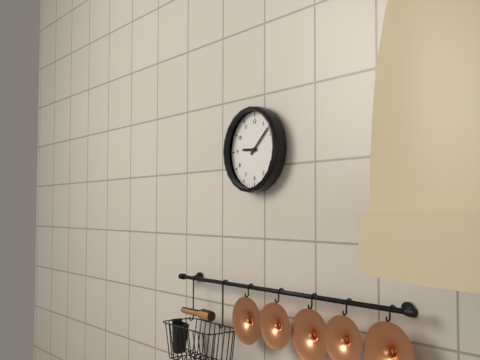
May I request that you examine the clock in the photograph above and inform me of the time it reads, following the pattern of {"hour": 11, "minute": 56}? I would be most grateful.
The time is {"hour": 9, "minute": 8}
